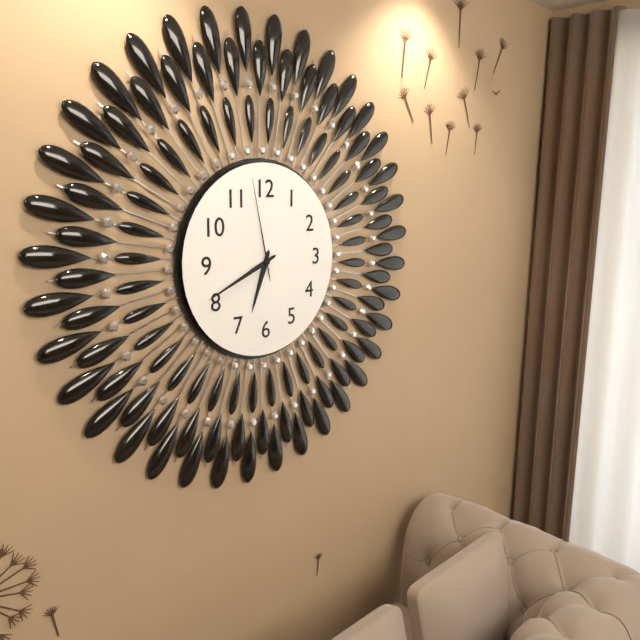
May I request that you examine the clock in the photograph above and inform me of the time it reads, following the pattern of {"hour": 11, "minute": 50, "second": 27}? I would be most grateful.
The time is {"hour": 6, "minute": 41, "second": 58}
